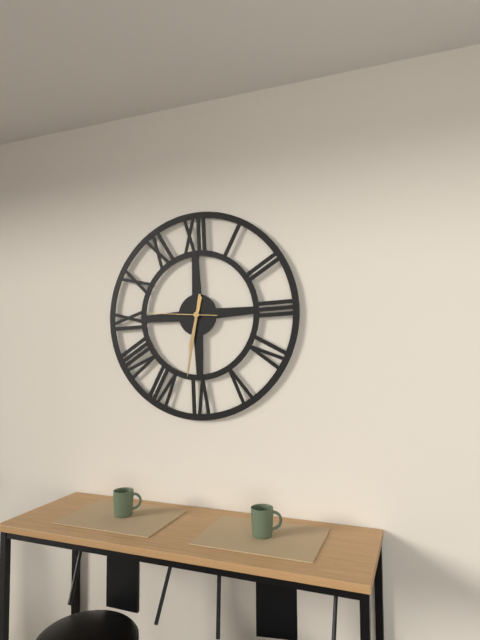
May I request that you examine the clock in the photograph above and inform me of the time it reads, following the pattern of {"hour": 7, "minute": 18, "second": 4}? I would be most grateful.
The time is {"hour": 6, "minute": 32, "second": 46}
